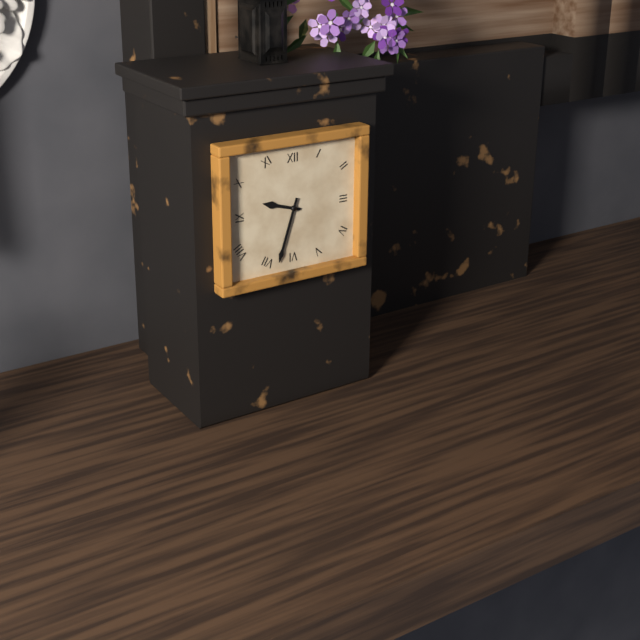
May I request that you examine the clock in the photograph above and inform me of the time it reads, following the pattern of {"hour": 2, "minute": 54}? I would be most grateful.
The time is {"hour": 9, "minute": 33}
